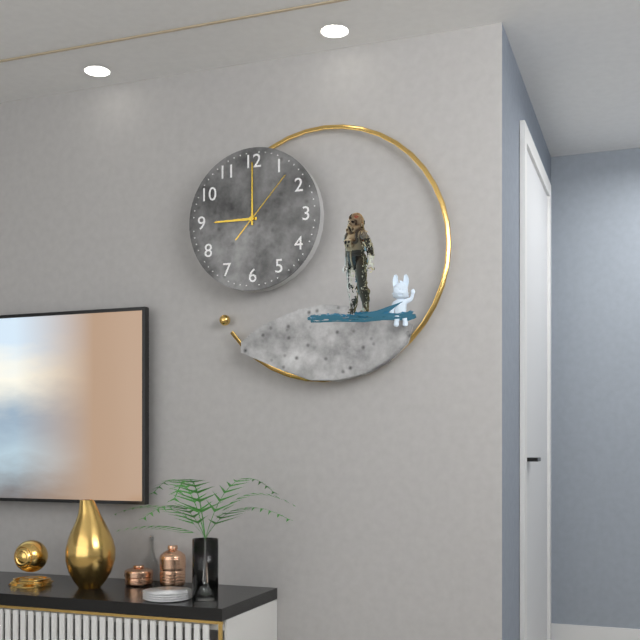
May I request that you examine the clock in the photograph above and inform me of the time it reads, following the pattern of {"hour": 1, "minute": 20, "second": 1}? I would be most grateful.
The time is {"hour": 9, "minute": 0, "second": 7}
